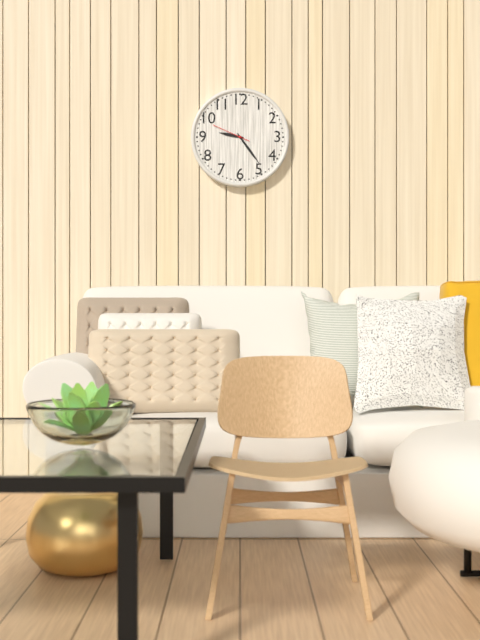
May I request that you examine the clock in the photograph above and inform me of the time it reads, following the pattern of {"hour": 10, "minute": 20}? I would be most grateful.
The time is {"hour": 9, "minute": 24}
